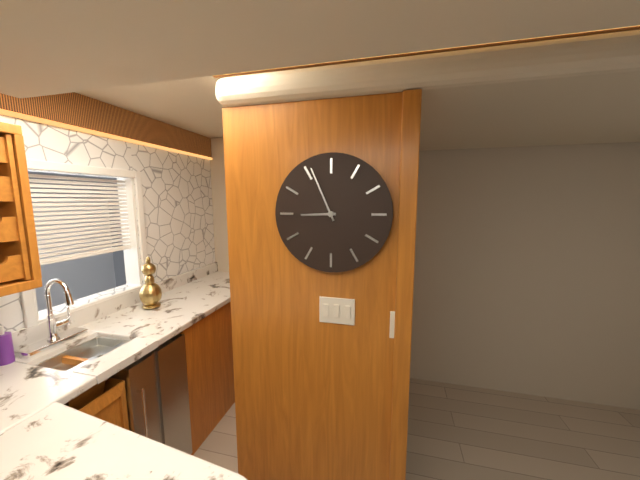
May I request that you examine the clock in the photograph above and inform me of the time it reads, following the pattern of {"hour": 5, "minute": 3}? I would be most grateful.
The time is {"hour": 8, "minute": 56}
